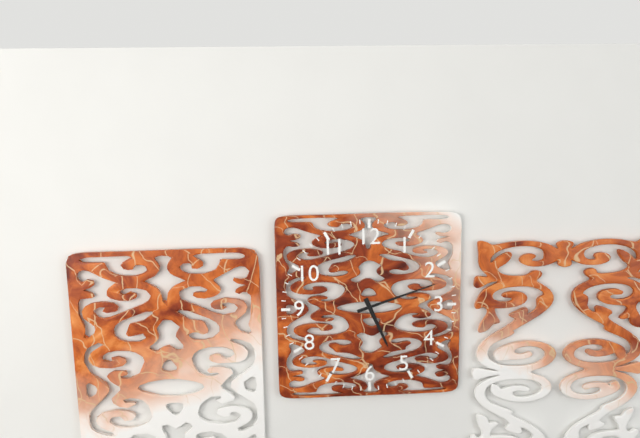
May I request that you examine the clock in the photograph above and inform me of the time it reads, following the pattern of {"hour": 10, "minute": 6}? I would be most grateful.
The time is {"hour": 5, "minute": 12}
